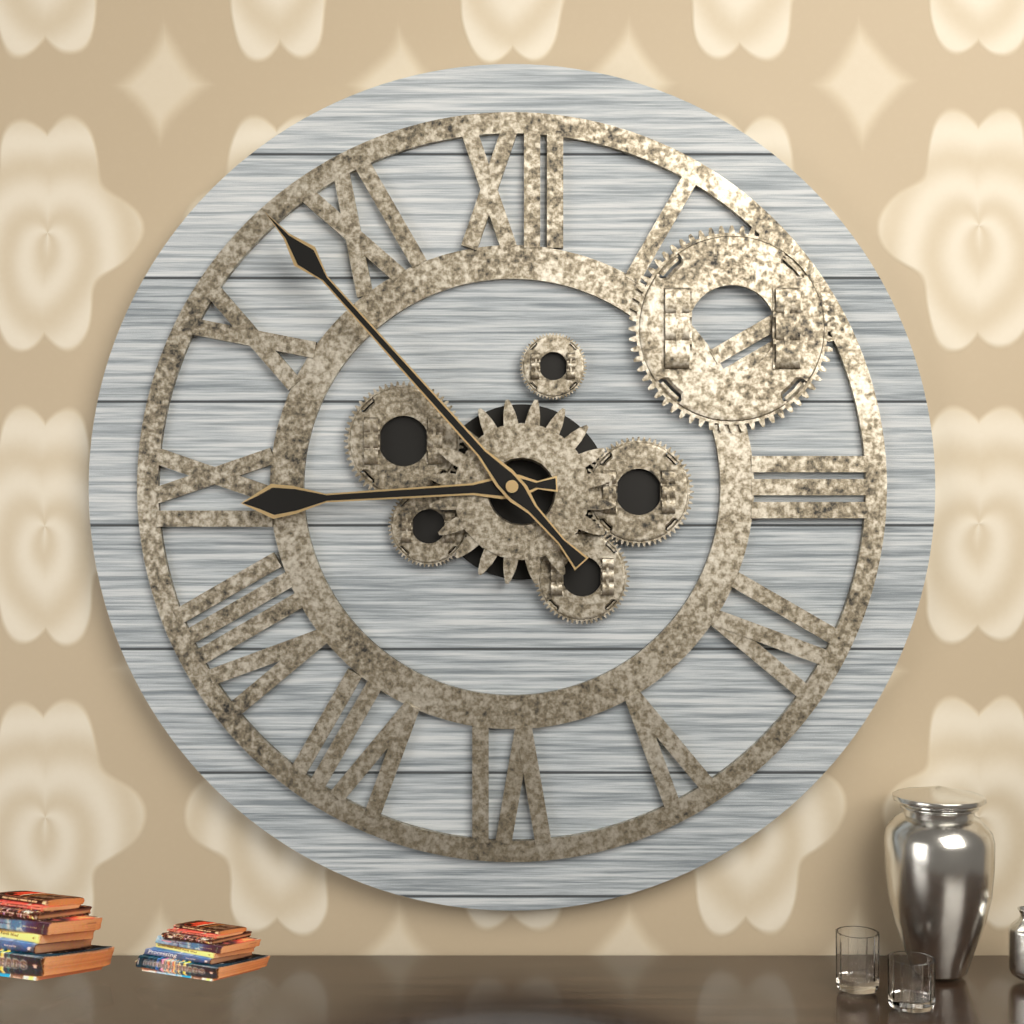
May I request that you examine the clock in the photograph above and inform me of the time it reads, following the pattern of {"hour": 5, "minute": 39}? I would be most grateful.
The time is {"hour": 8, "minute": 53}
